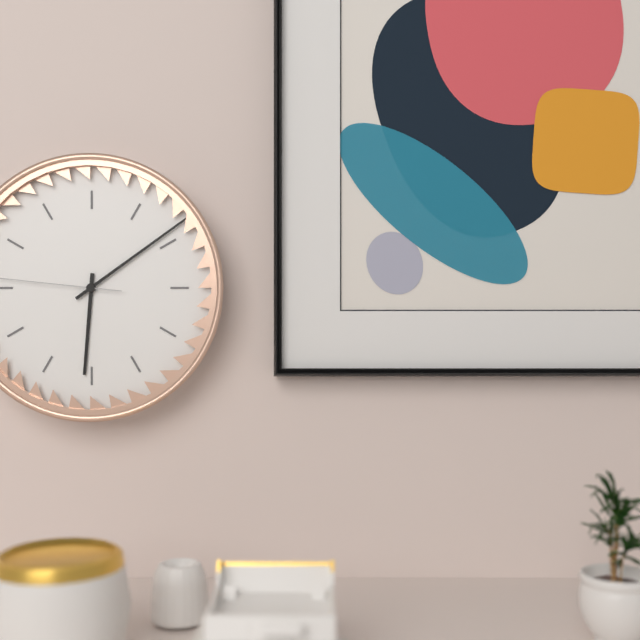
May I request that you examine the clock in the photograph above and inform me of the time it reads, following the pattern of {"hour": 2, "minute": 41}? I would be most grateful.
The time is {"hour": 6, "minute": 9}
